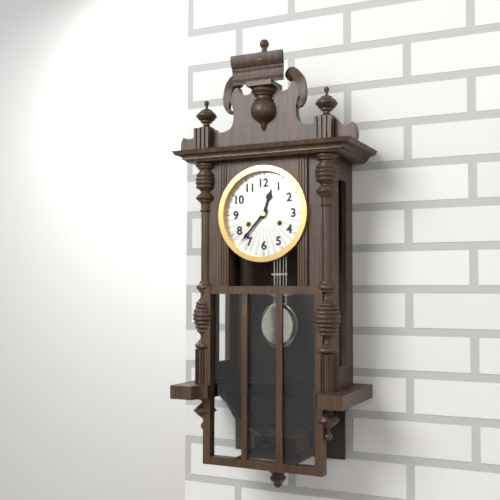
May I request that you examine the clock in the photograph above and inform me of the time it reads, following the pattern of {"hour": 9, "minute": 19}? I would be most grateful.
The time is {"hour": 12, "minute": 37}
